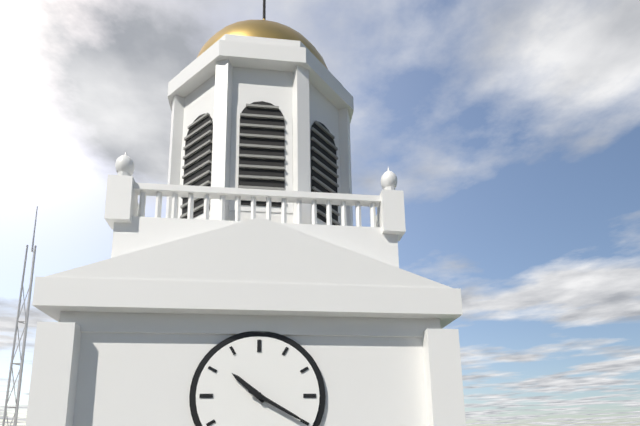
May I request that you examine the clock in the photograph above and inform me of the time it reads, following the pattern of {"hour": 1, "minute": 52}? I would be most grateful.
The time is {"hour": 10, "minute": 20}
